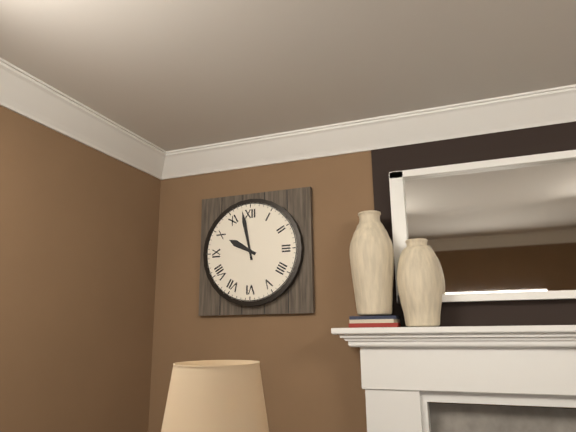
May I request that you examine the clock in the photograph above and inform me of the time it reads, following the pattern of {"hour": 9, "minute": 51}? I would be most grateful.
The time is {"hour": 9, "minute": 58}
